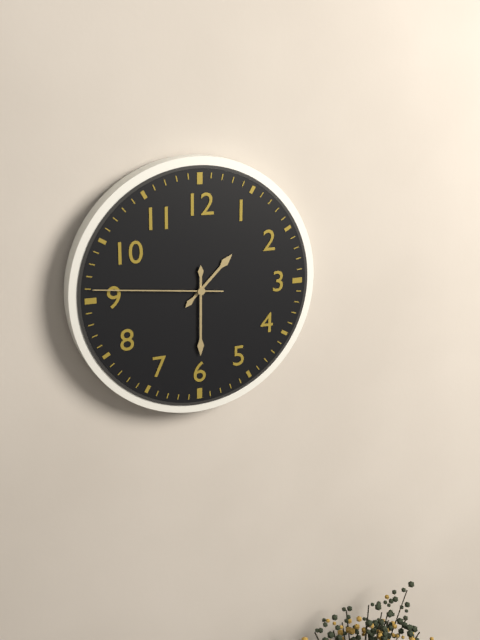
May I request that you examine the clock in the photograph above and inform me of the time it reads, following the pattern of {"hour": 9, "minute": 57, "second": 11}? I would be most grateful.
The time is {"hour": 1, "minute": 30, "second": 46}
